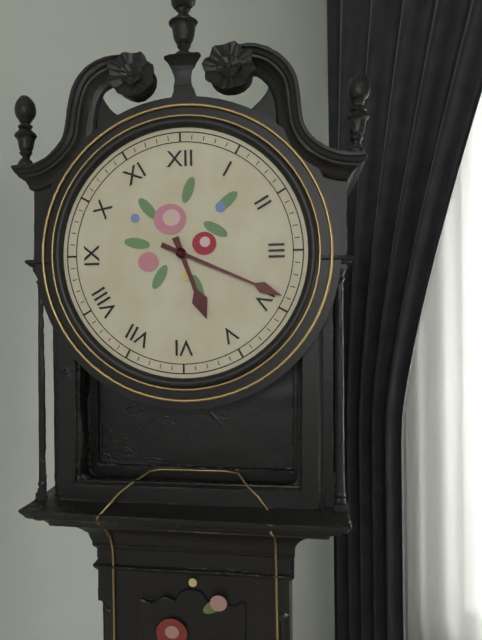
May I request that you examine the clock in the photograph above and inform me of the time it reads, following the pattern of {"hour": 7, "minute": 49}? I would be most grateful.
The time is {"hour": 5, "minute": 19}
